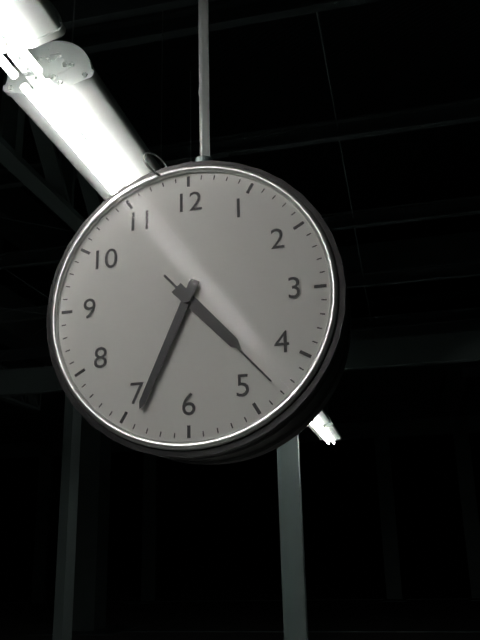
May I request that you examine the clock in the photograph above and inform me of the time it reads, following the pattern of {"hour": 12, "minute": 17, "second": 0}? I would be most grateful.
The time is {"hour": 4, "minute": 34, "second": 23}
